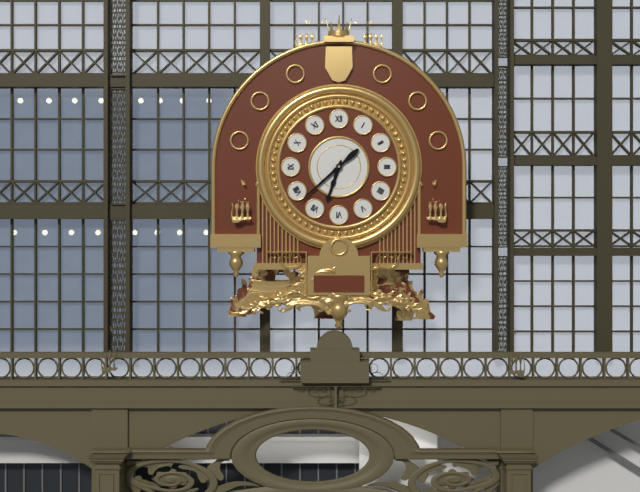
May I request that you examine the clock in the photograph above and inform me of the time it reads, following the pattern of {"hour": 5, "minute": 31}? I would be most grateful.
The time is {"hour": 6, "minute": 38}
